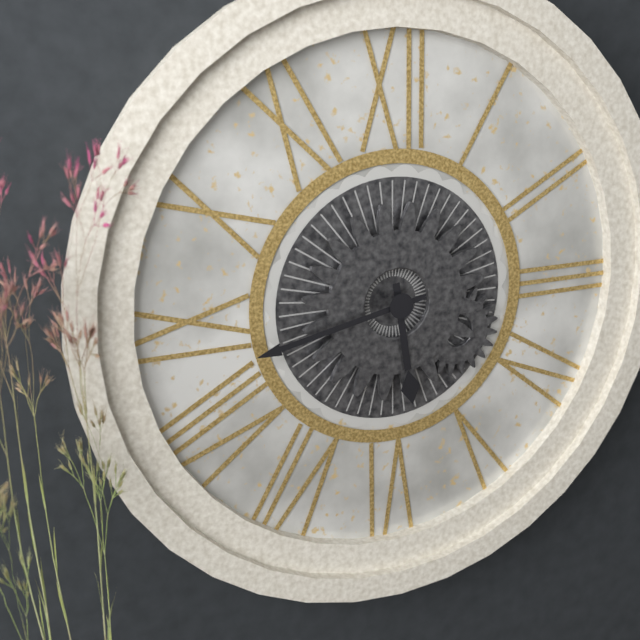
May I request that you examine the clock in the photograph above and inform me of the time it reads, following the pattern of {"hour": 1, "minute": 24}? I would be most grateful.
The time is {"hour": 5, "minute": 43}
